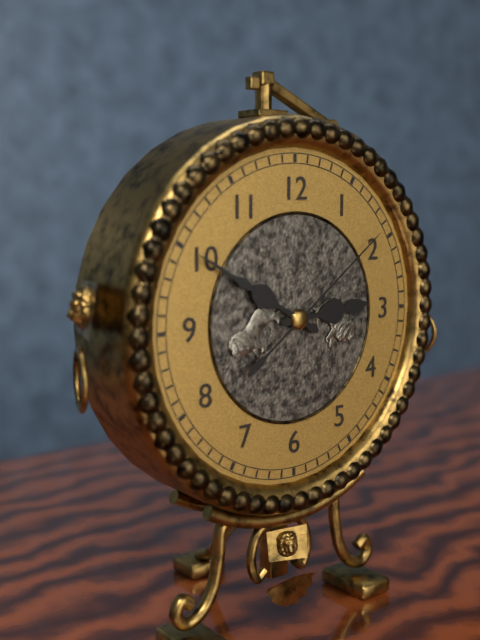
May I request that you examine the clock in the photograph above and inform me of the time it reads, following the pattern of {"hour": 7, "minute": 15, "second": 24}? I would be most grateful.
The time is {"hour": 2, "minute": 50, "second": 9}
